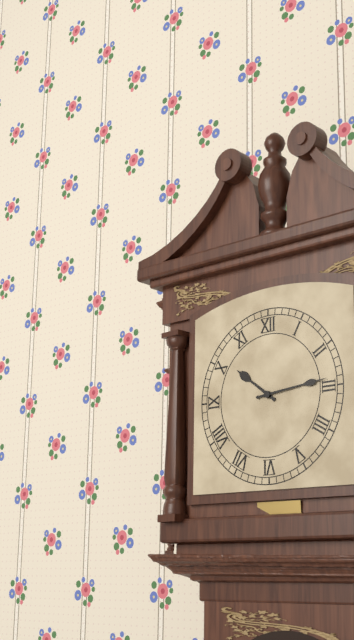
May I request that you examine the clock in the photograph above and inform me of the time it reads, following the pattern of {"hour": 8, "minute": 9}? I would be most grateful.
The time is {"hour": 10, "minute": 14}
